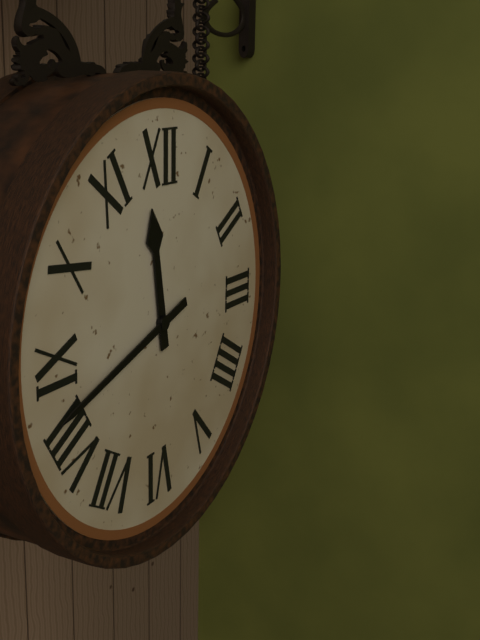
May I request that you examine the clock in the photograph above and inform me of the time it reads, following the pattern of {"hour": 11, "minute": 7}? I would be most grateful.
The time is {"hour": 11, "minute": 42}
